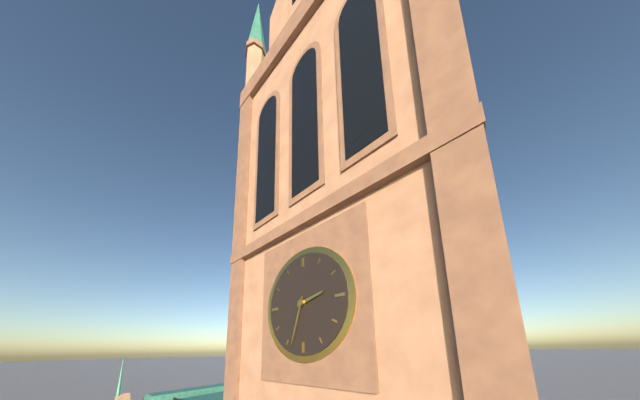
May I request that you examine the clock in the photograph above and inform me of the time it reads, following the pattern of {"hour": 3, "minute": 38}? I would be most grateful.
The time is {"hour": 2, "minute": 33}
